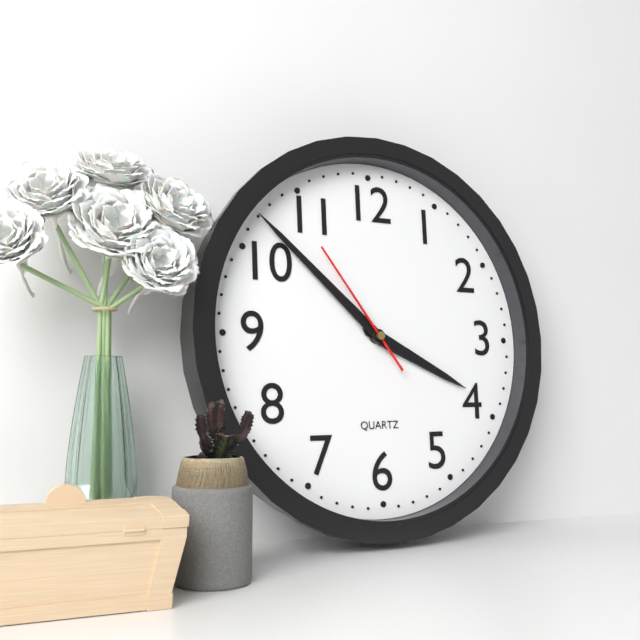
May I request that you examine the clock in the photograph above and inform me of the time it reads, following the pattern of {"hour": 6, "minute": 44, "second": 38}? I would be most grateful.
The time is {"hour": 3, "minute": 52, "second": 54}
